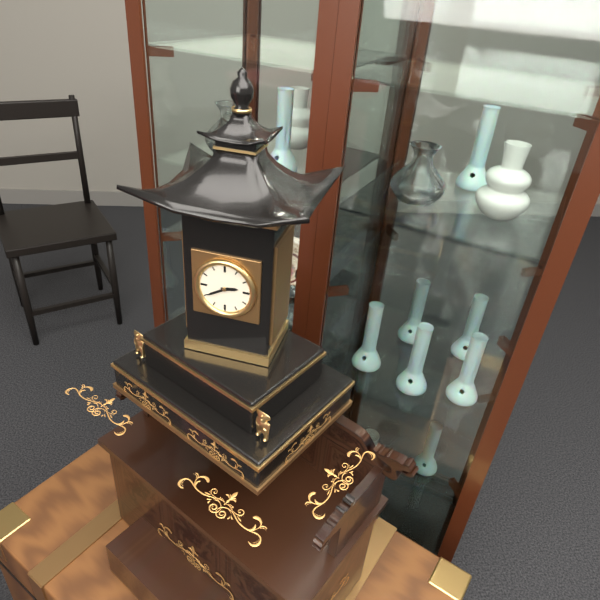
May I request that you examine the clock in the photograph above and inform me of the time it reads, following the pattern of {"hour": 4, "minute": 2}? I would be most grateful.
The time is {"hour": 2, "minute": 40}
